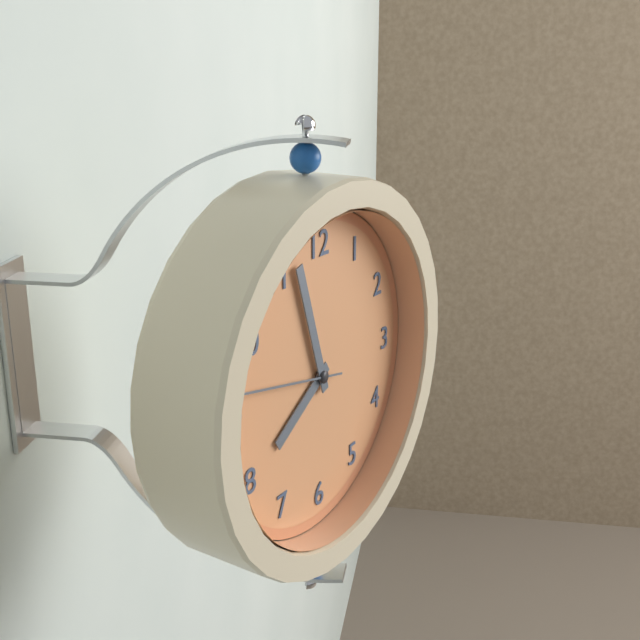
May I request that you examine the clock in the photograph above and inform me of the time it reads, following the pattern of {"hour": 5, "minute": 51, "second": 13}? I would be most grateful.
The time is {"hour": 7, "minute": 57, "second": 47}
